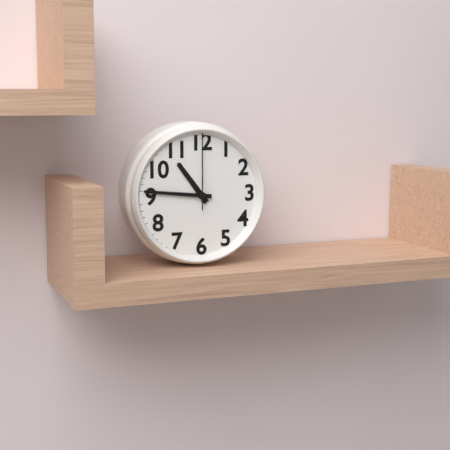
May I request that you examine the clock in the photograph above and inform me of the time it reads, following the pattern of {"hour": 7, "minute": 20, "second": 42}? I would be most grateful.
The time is {"hour": 10, "minute": 46, "second": 0}
